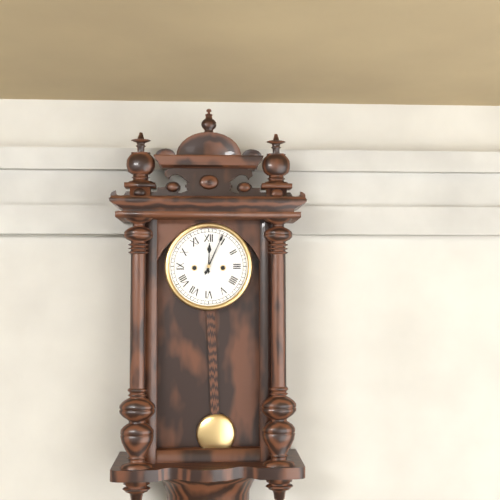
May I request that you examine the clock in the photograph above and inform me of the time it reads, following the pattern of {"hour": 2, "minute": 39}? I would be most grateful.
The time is {"hour": 12, "minute": 4}
